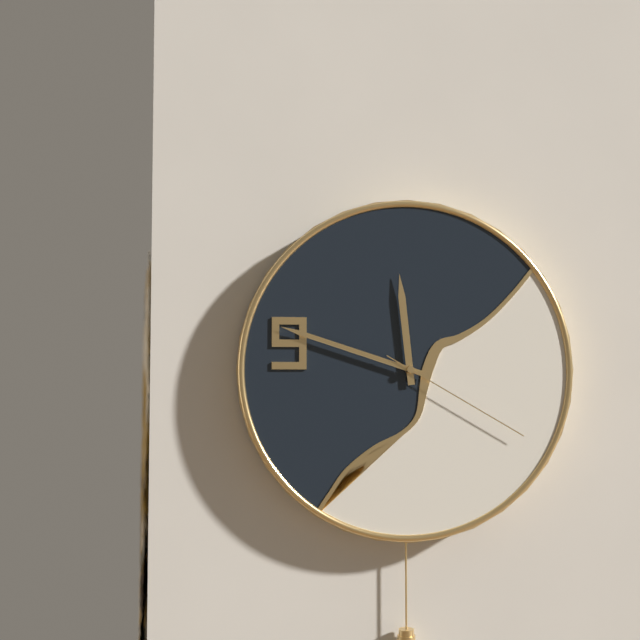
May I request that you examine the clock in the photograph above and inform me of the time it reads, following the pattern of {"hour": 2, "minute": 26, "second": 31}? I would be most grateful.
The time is {"hour": 11, "minute": 48, "second": 20}
